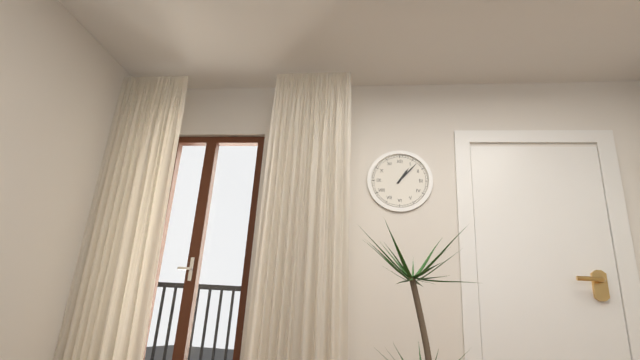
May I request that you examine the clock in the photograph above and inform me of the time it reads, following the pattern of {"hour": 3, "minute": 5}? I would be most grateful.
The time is {"hour": 1, "minute": 7}
